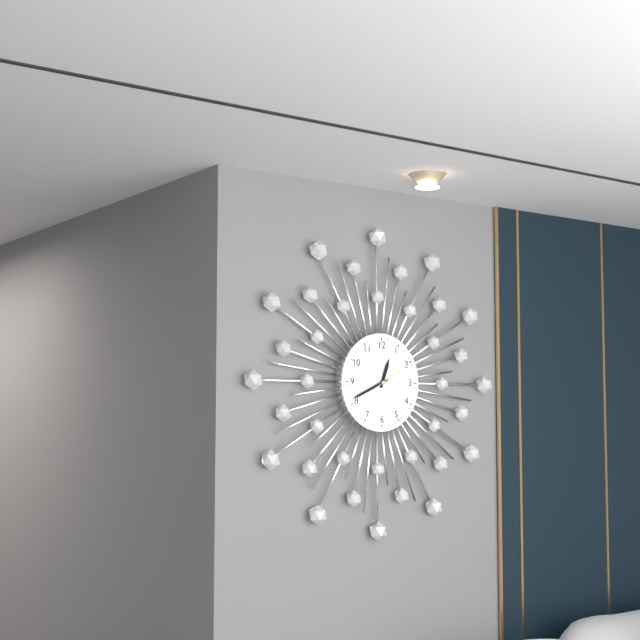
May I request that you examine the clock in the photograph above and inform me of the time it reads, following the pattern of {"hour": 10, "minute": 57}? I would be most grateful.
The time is {"hour": 12, "minute": 41}
